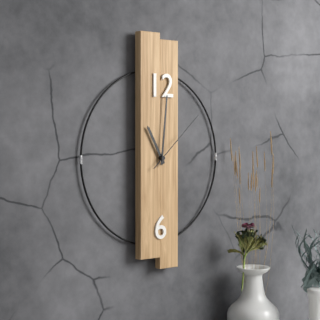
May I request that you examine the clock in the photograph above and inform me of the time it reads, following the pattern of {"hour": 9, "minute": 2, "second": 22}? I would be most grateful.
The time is {"hour": 11, "minute": 1, "second": 8}
